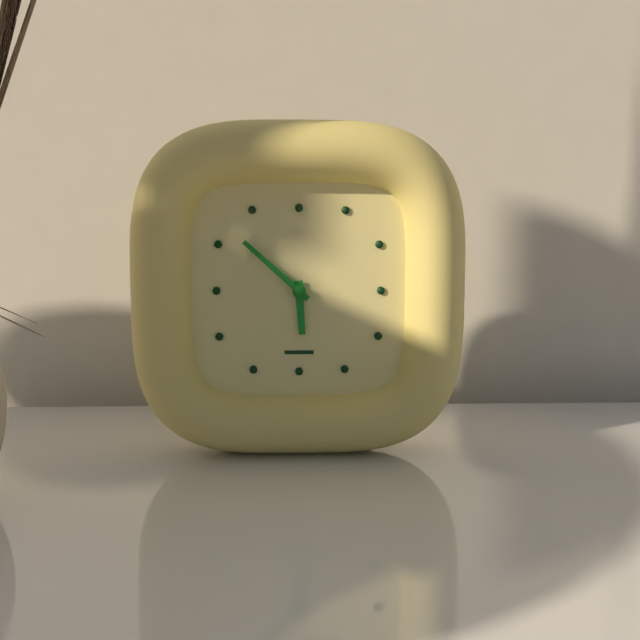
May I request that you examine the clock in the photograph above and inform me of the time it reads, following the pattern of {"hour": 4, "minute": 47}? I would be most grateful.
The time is {"hour": 5, "minute": 52}
